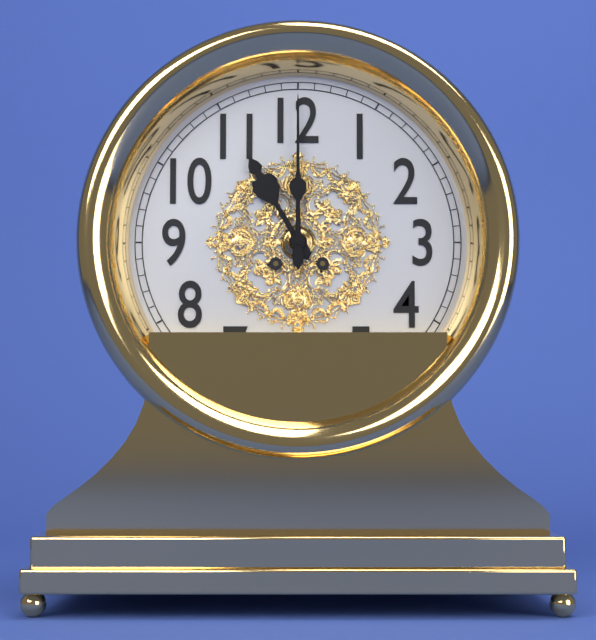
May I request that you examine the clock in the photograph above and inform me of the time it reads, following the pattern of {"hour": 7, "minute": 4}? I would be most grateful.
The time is {"hour": 11, "minute": 0}
